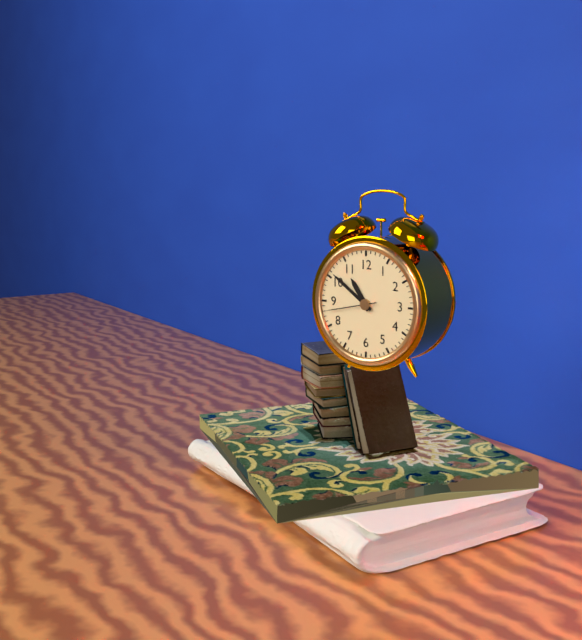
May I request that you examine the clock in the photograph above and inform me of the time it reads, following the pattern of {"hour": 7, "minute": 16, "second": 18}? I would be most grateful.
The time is {"hour": 10, "minute": 51, "second": 43}
